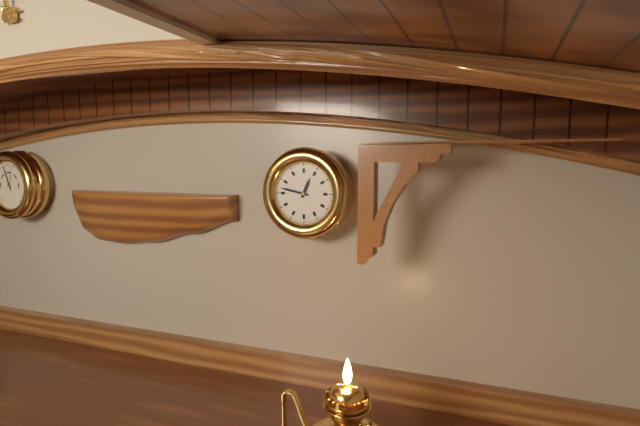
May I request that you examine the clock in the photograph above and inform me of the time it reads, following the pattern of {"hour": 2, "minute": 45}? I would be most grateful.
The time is {"hour": 12, "minute": 47}
